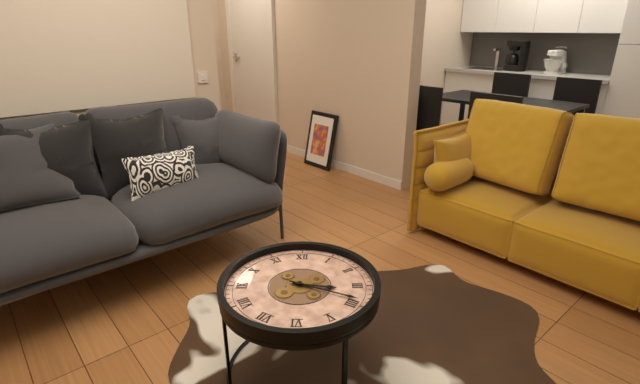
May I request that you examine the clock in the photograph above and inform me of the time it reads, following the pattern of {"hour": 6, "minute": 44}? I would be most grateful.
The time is {"hour": 3, "minute": 19}
